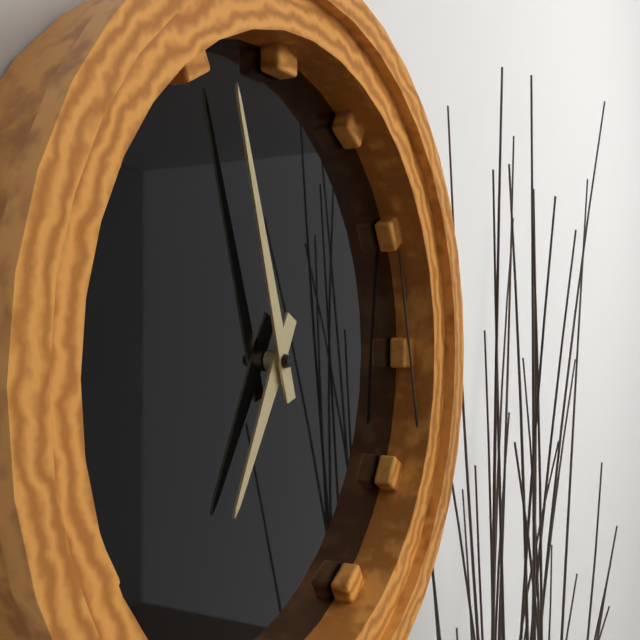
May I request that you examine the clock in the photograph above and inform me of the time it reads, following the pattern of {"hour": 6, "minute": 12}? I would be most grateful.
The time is {"hour": 6, "minute": 57}
